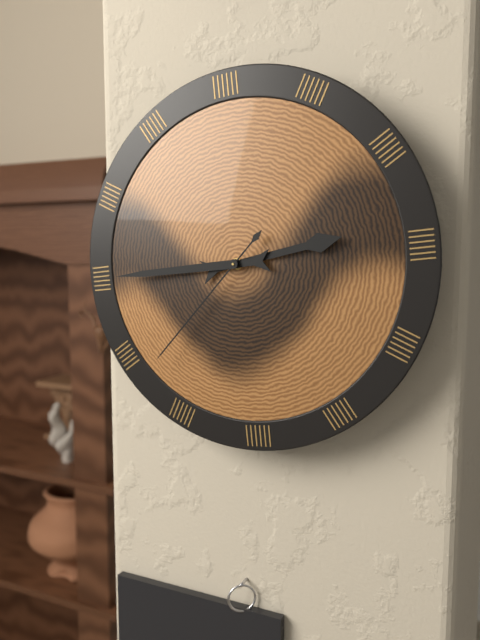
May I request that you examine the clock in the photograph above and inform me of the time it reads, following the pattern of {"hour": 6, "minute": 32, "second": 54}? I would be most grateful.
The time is {"hour": 2, "minute": 45, "second": 38}
